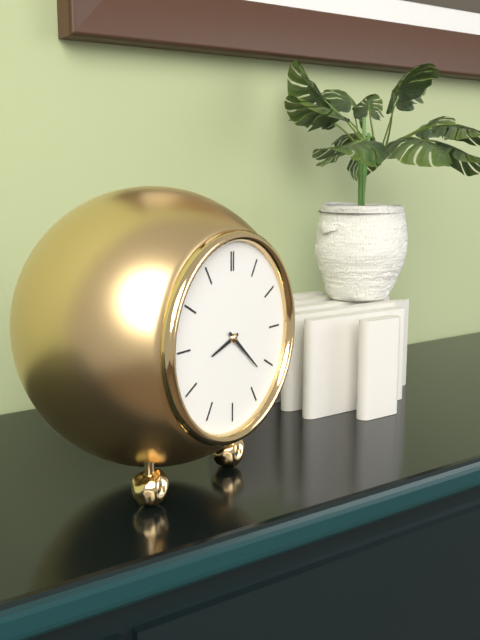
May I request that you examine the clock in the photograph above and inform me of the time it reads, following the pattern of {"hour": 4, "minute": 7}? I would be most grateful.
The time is {"hour": 8, "minute": 22}
